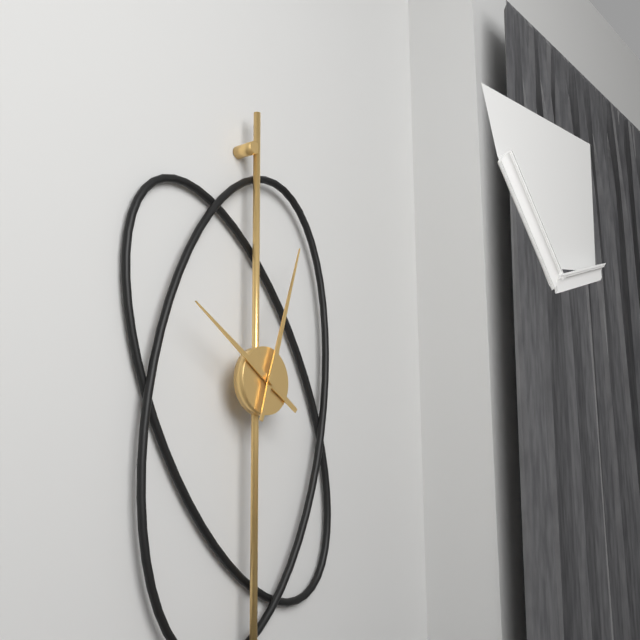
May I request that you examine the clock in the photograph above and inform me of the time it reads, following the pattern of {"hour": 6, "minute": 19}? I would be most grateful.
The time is {"hour": 10, "minute": 3}
